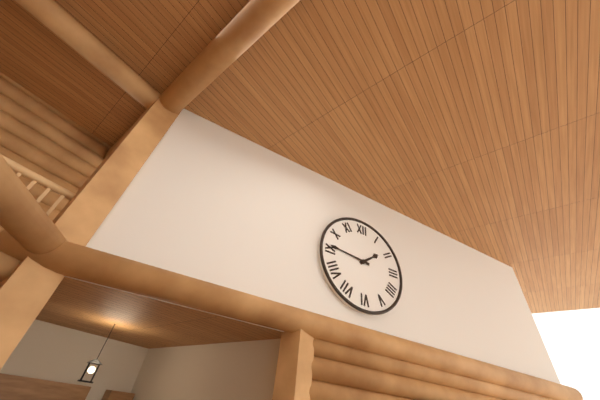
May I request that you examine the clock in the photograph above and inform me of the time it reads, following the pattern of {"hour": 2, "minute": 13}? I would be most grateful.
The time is {"hour": 1, "minute": 46}
